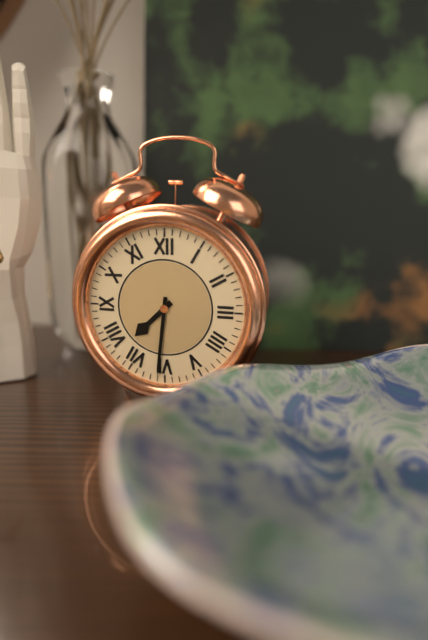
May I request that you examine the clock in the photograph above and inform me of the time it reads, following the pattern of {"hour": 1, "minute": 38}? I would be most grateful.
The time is {"hour": 7, "minute": 31}
